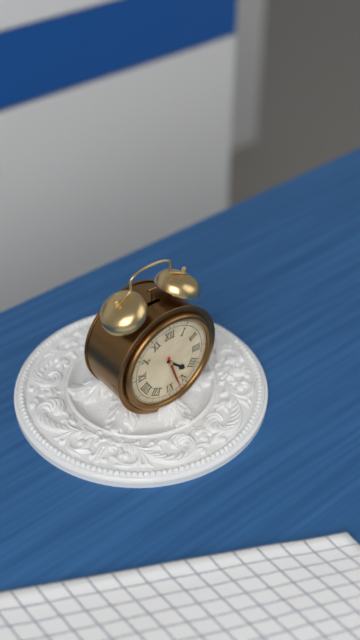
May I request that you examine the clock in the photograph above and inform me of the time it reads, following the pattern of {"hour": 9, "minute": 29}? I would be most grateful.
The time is {"hour": 4, "minute": 27}
